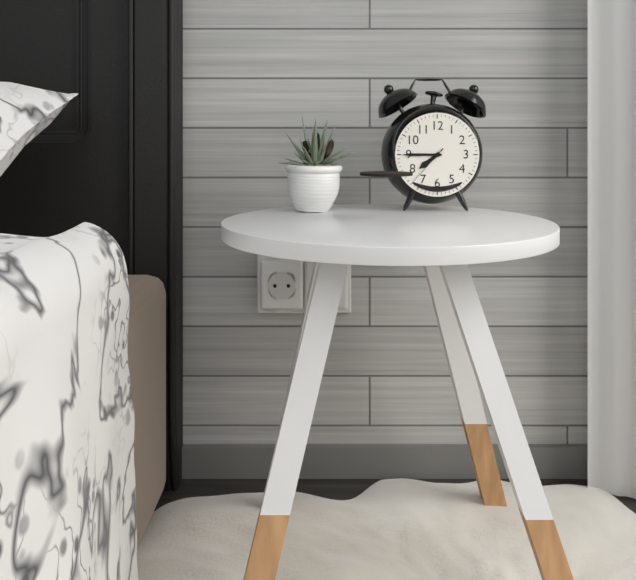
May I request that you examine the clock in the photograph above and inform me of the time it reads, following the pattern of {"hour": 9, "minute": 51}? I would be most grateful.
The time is {"hour": 7, "minute": 45}
